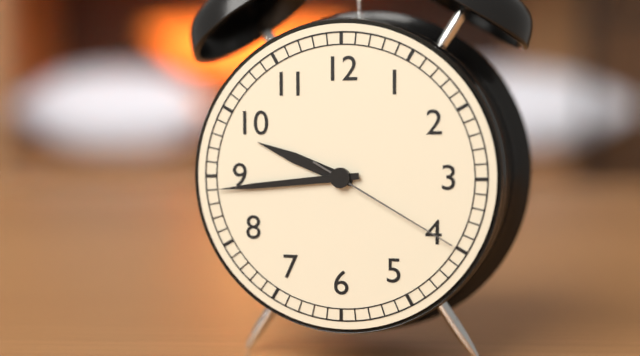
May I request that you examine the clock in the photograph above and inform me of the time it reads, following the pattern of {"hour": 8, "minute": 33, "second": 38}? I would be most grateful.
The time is {"hour": 9, "minute": 44, "second": 20}
